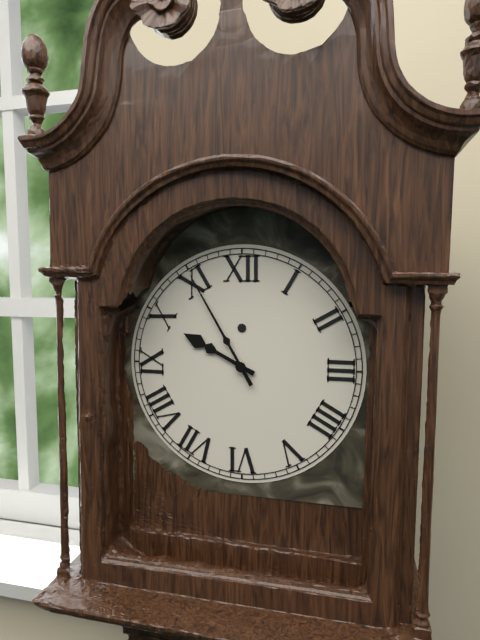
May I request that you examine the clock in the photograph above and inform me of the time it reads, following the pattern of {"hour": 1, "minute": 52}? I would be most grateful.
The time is {"hour": 9, "minute": 55}
